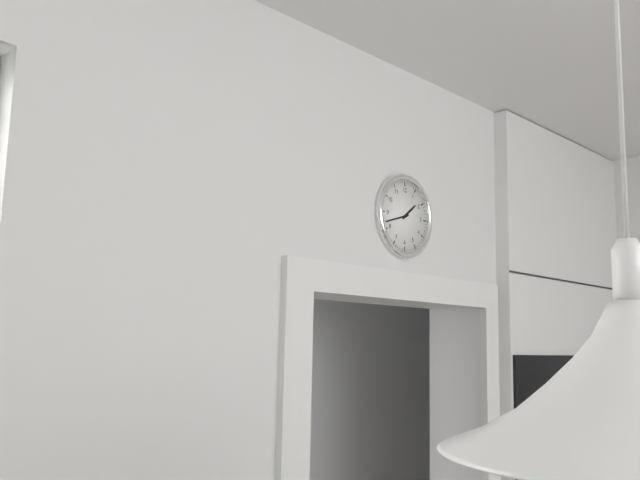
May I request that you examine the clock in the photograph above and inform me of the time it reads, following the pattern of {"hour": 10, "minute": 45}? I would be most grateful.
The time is {"hour": 1, "minute": 42}
